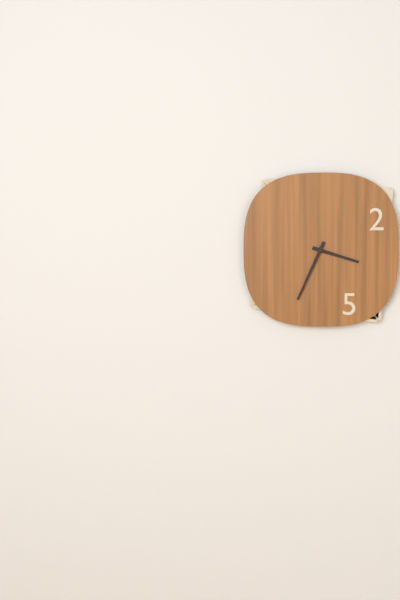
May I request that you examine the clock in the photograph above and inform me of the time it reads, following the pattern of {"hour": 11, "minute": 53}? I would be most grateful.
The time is {"hour": 3, "minute": 34}
